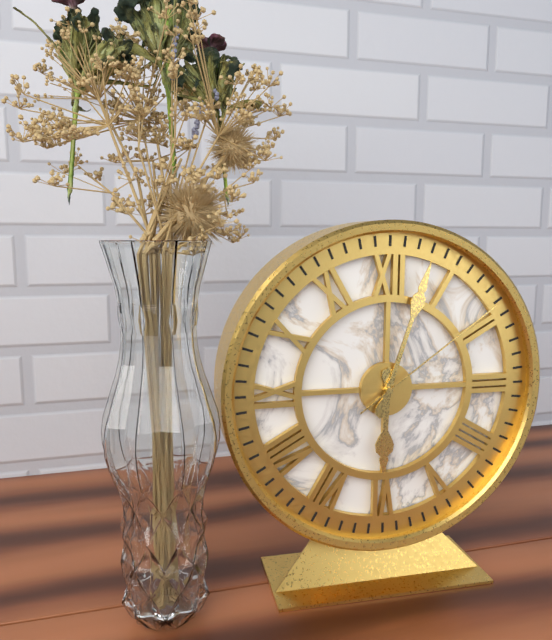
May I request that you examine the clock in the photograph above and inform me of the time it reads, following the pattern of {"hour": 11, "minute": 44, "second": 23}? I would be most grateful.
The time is {"hour": 6, "minute": 3, "second": 9}
